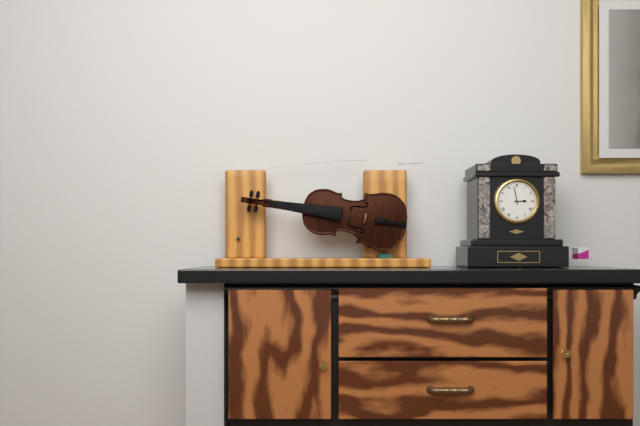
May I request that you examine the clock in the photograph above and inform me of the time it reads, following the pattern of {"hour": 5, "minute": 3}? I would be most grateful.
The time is {"hour": 2, "minute": 58}
